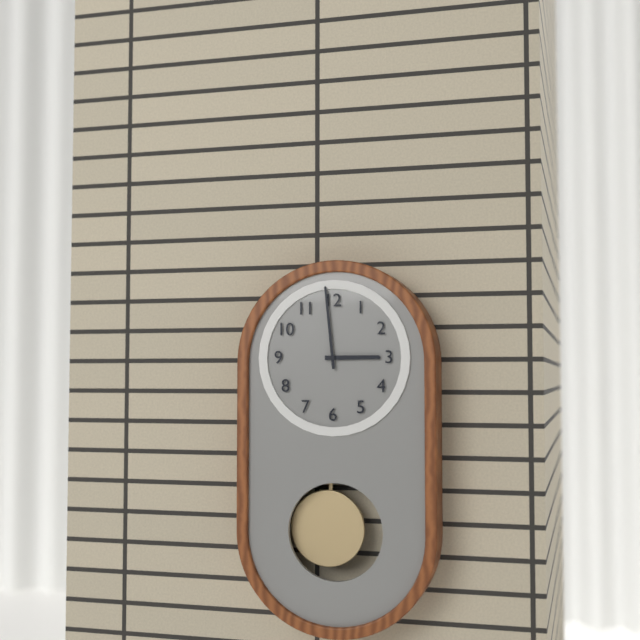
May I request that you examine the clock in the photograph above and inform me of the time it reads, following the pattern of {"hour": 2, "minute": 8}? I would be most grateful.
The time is {"hour": 2, "minute": 59}
